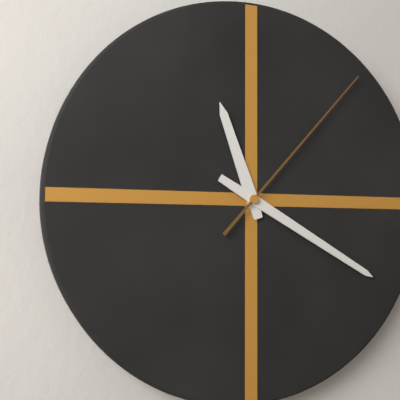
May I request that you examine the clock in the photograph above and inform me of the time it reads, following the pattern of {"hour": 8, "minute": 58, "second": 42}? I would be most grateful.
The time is {"hour": 11, "minute": 20, "second": 7}
